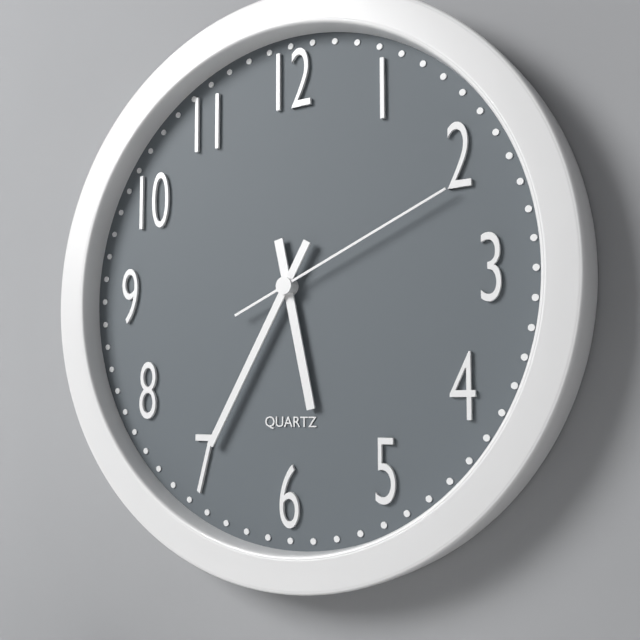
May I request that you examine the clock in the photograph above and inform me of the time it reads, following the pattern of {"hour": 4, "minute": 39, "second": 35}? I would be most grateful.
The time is {"hour": 5, "minute": 35, "second": 11}
